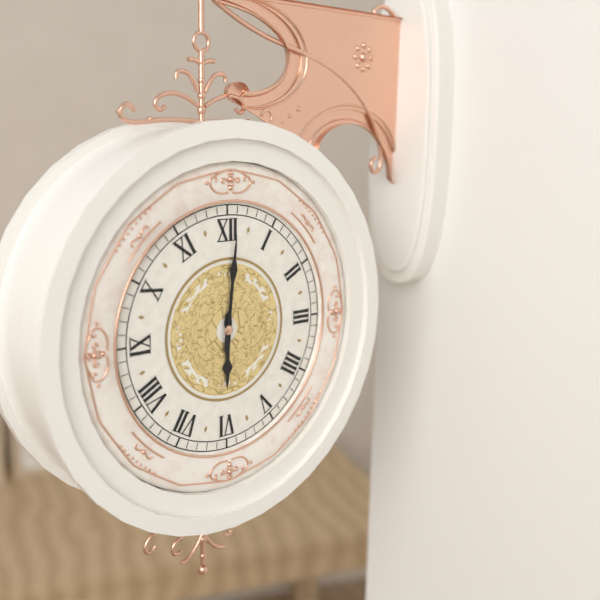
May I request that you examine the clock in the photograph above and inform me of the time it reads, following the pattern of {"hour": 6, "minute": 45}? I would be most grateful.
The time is {"hour": 6, "minute": 1}
